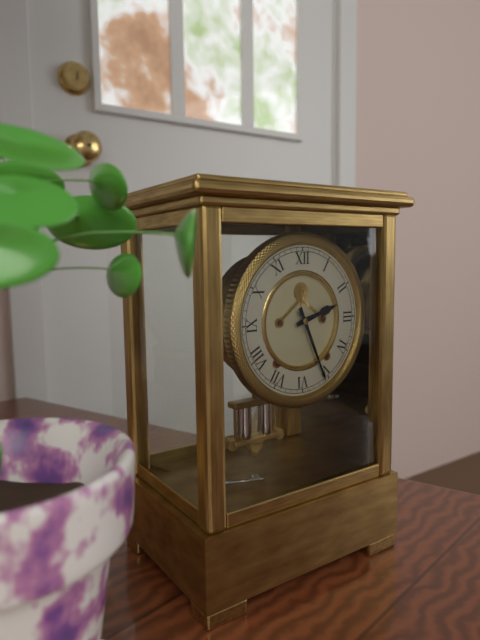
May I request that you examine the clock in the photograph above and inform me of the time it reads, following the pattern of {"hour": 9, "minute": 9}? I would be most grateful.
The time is {"hour": 2, "minute": 26}
